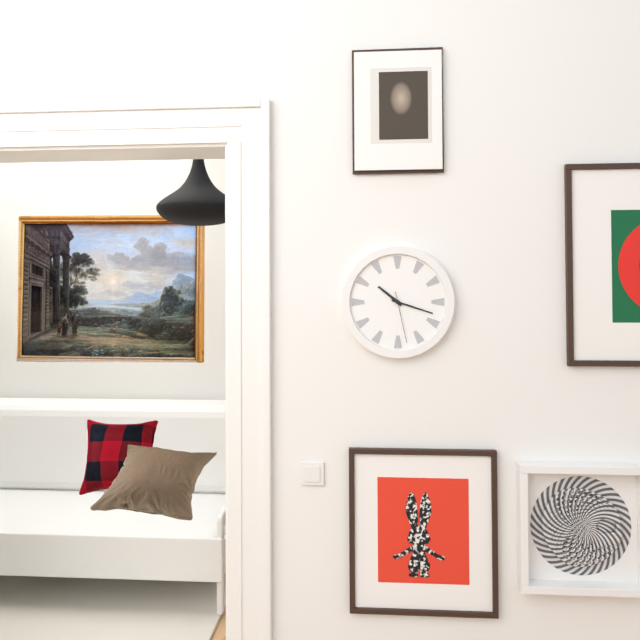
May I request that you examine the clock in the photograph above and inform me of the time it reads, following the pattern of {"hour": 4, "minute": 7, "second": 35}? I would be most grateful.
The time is {"hour": 10, "minute": 18, "second": 28}
